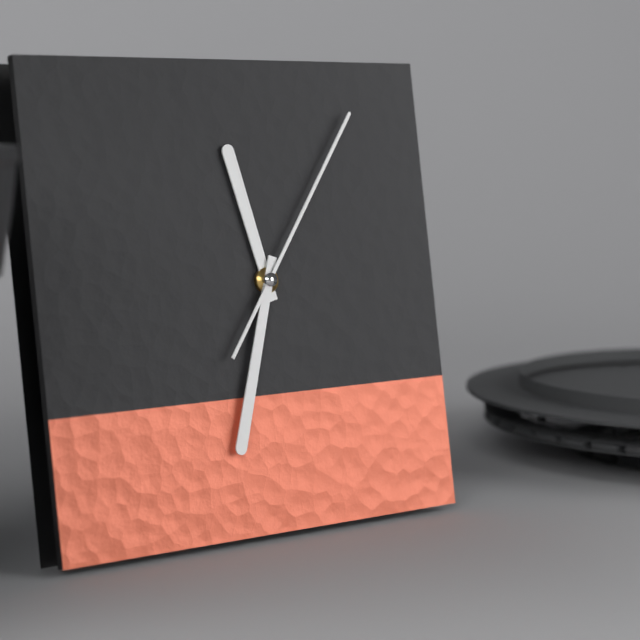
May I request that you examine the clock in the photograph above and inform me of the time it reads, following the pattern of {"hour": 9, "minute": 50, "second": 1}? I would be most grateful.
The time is {"hour": 11, "minute": 33, "second": 6}
